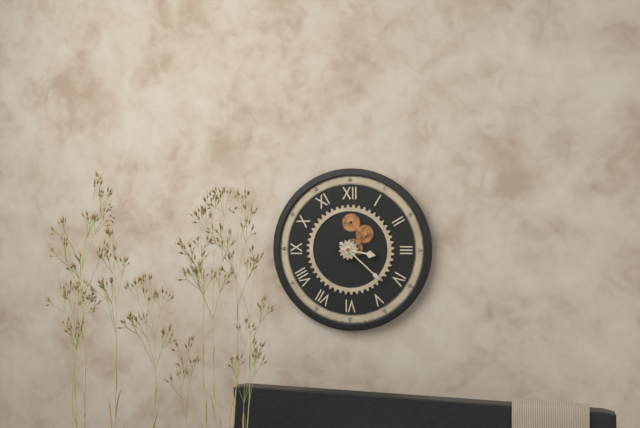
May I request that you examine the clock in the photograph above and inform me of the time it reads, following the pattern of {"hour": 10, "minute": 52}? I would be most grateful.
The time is {"hour": 3, "minute": 22}
